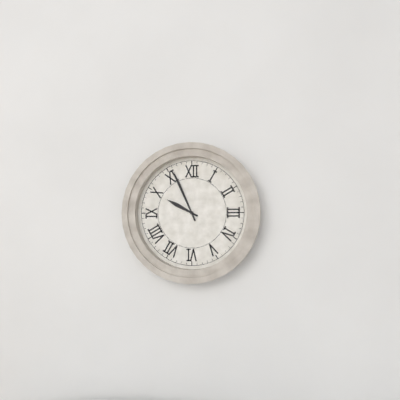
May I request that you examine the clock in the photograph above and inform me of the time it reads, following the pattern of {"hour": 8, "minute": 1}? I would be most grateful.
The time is {"hour": 9, "minute": 56}
